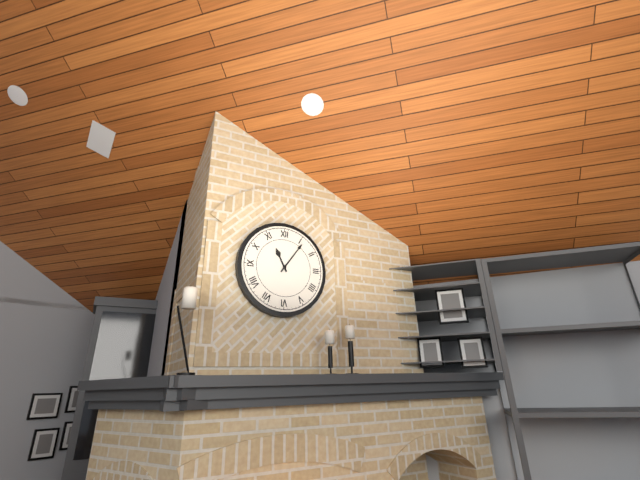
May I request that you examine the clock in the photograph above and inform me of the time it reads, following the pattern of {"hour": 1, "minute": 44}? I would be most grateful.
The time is {"hour": 11, "minute": 6}
